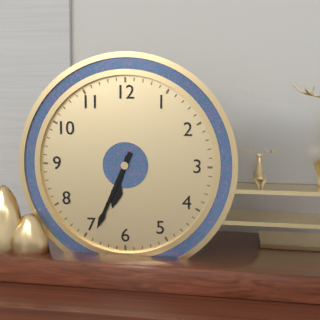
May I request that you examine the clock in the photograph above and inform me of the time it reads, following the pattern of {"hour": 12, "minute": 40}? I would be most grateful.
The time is {"hour": 6, "minute": 34}
